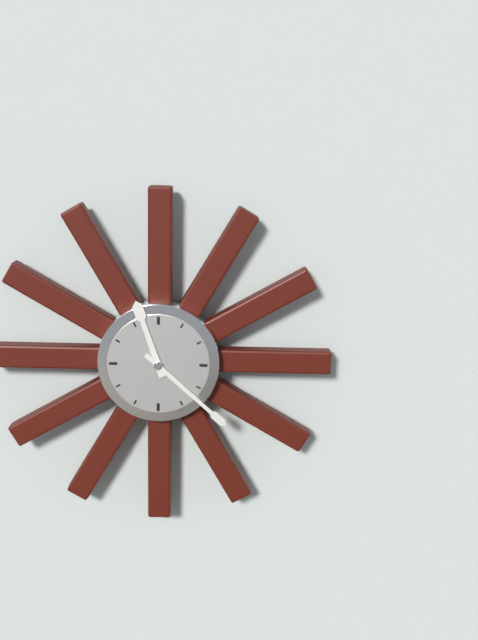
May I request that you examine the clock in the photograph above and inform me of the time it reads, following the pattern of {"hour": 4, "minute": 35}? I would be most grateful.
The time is {"hour": 11, "minute": 22}
